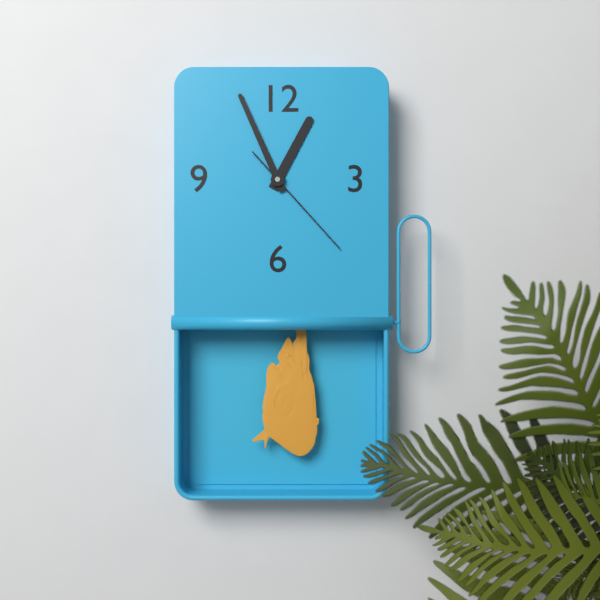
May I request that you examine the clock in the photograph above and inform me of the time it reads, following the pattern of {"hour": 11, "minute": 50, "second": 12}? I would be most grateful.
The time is {"hour": 12, "minute": 56, "second": 23}
